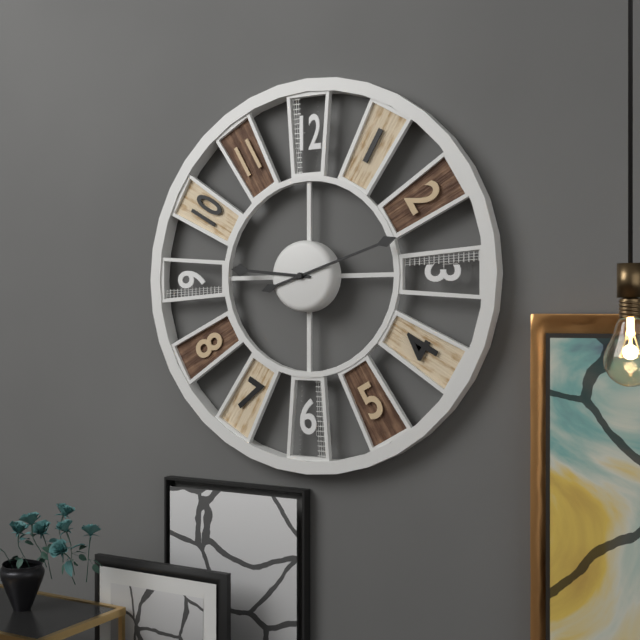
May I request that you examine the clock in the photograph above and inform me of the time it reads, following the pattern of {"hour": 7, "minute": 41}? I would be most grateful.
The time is {"hour": 9, "minute": 12}
